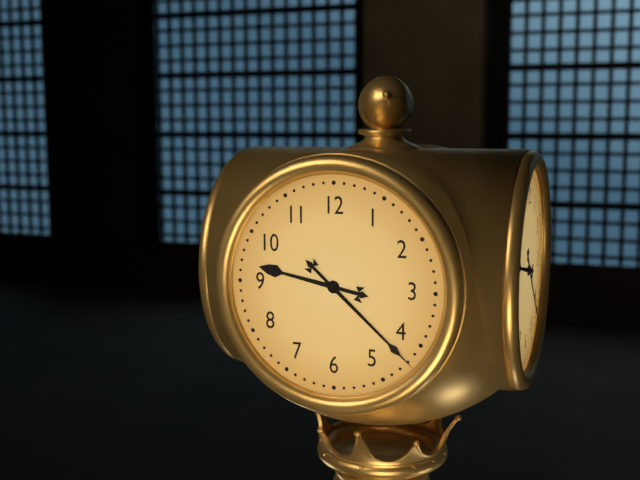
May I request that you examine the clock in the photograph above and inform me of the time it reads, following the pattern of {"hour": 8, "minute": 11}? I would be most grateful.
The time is {"hour": 9, "minute": 22}
